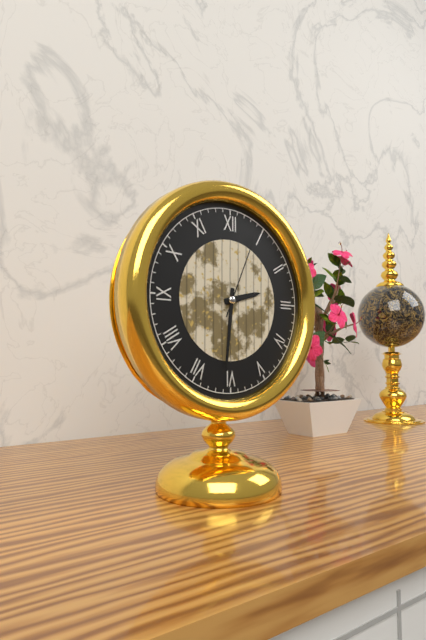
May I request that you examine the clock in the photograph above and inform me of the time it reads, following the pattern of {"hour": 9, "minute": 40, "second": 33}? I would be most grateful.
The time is {"hour": 2, "minute": 31, "second": 4}
